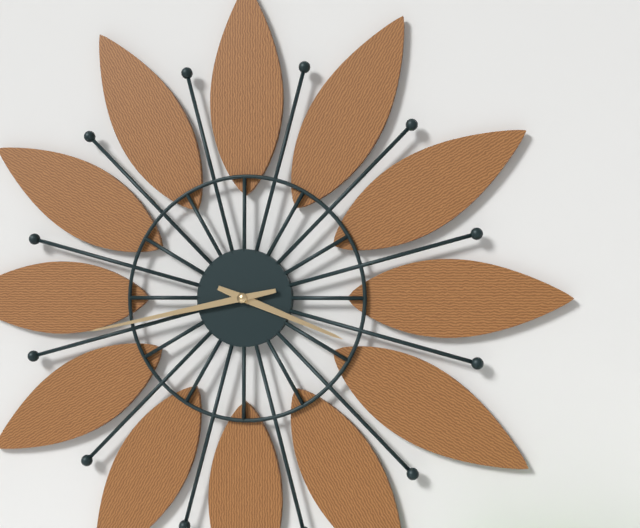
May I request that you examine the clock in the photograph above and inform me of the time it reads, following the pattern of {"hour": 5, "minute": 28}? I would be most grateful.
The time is {"hour": 3, "minute": 43}
